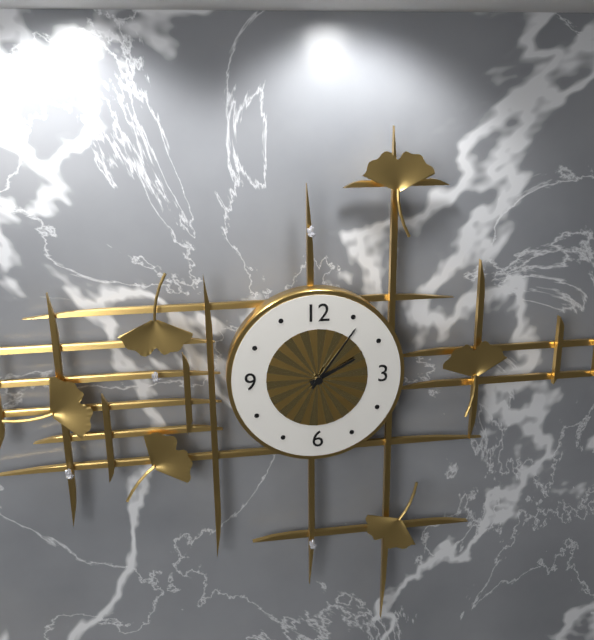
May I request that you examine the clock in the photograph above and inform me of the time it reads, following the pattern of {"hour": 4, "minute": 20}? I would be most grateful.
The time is {"hour": 2, "minute": 6}
